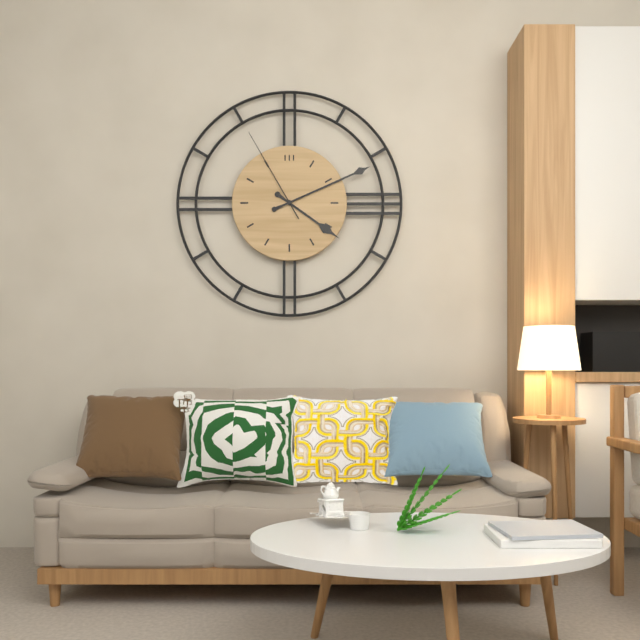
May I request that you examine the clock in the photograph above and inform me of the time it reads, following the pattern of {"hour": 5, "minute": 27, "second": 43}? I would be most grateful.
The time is {"hour": 4, "minute": 11, "second": 55}
